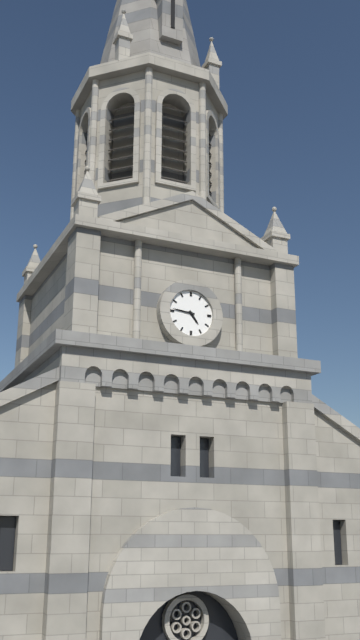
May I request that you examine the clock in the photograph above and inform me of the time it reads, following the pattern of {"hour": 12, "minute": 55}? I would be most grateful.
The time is {"hour": 4, "minute": 46}
